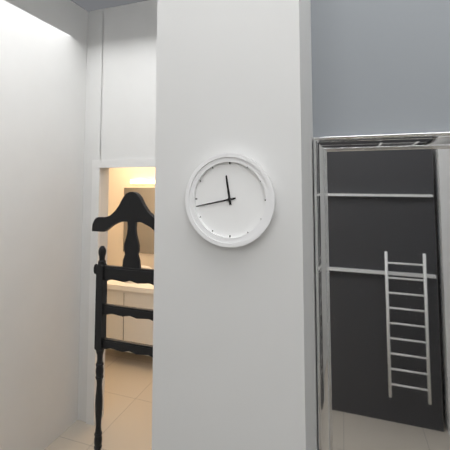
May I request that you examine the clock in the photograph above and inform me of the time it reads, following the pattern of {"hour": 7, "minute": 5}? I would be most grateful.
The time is {"hour": 11, "minute": 43}
